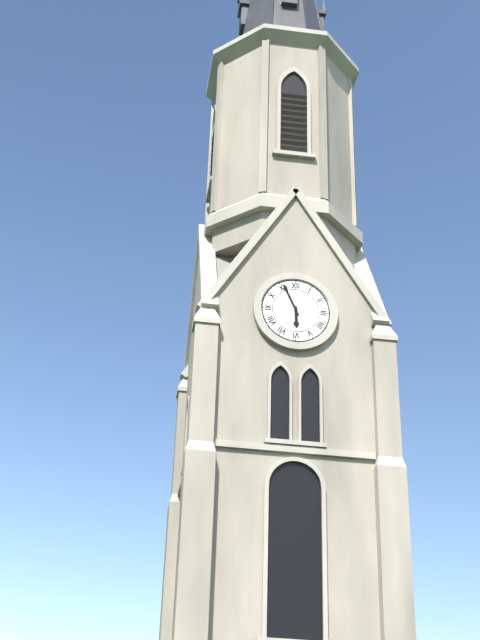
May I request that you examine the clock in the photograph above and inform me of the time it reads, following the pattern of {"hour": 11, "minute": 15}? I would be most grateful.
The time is {"hour": 5, "minute": 56}
